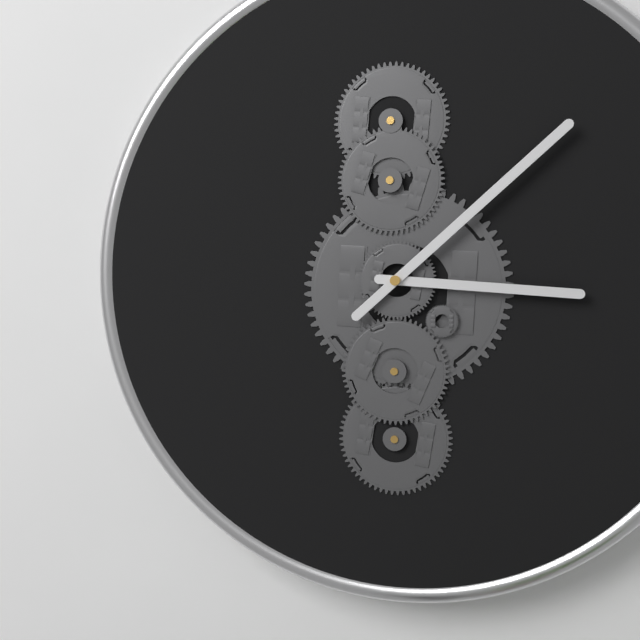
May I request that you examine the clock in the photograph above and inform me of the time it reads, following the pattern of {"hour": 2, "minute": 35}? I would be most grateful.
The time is {"hour": 3, "minute": 8}
